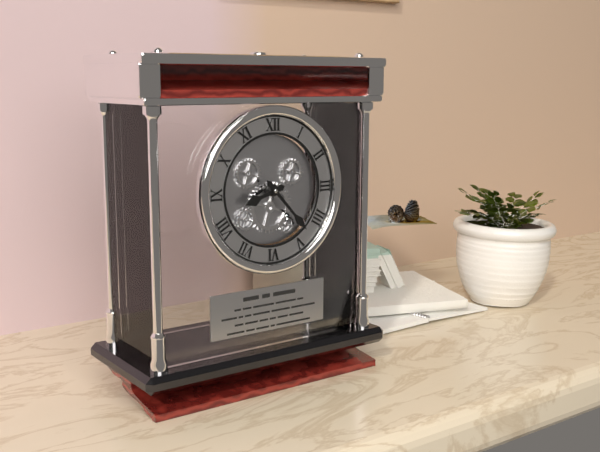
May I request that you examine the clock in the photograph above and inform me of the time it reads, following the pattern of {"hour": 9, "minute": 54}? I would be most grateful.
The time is {"hour": 8, "minute": 23}
